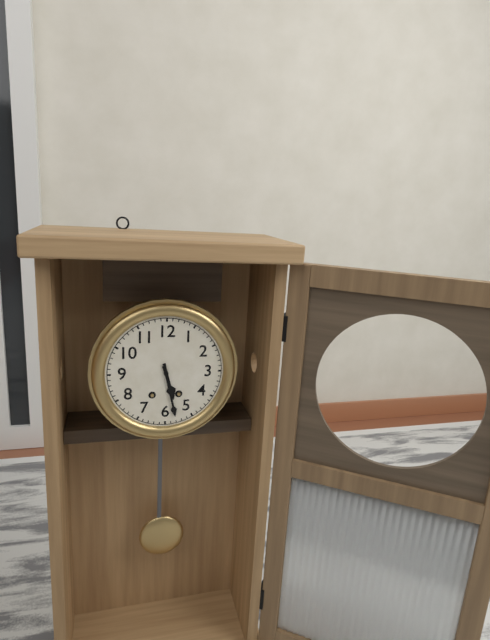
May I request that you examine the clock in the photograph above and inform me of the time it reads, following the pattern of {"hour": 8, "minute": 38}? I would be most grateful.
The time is {"hour": 5, "minute": 28}
